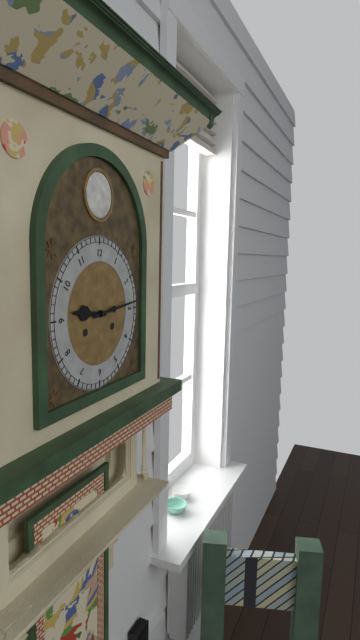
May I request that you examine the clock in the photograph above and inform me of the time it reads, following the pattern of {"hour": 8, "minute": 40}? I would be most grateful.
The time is {"hour": 9, "minute": 14}
